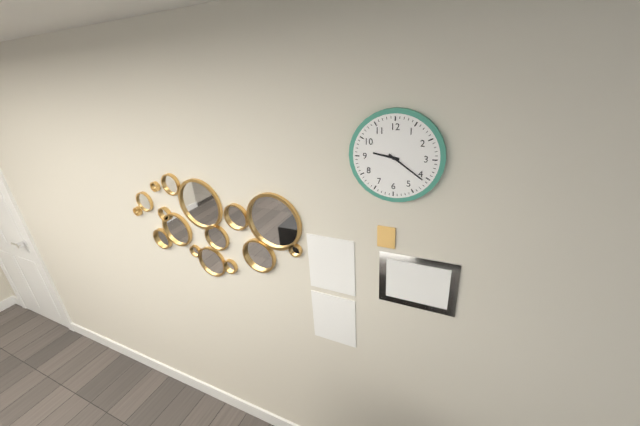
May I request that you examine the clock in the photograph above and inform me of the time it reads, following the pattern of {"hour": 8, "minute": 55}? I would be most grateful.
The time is {"hour": 9, "minute": 21}
